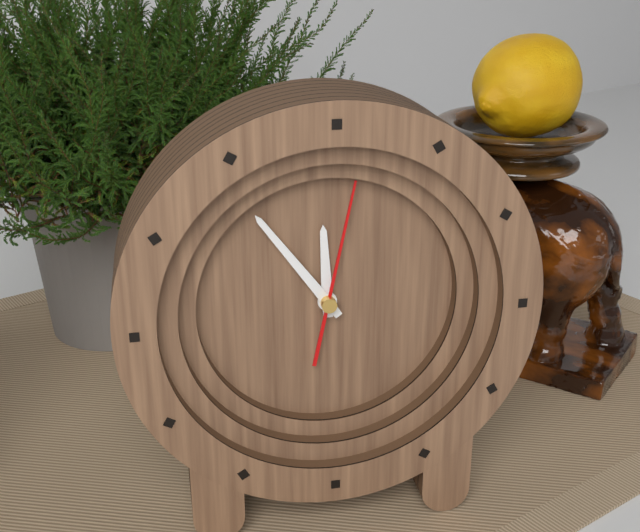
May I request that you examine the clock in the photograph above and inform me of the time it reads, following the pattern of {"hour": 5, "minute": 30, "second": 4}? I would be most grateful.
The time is {"hour": 11, "minute": 54, "second": 2}
